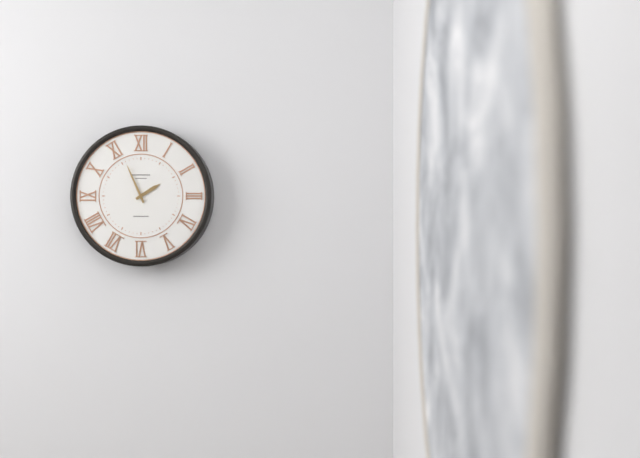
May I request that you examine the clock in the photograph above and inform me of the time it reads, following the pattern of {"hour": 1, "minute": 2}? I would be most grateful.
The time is {"hour": 1, "minute": 56}
